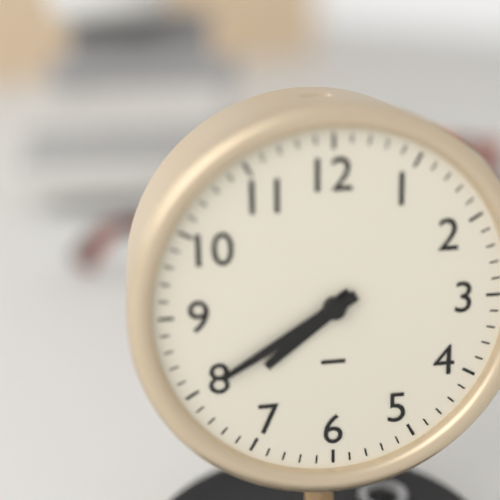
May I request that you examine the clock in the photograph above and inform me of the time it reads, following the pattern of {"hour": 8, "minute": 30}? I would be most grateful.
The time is {"hour": 7, "minute": 40}
